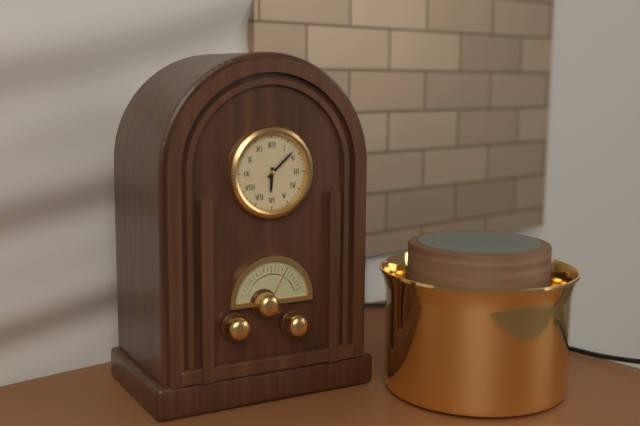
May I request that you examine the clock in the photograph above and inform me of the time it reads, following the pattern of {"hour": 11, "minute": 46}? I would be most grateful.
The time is {"hour": 6, "minute": 8}
